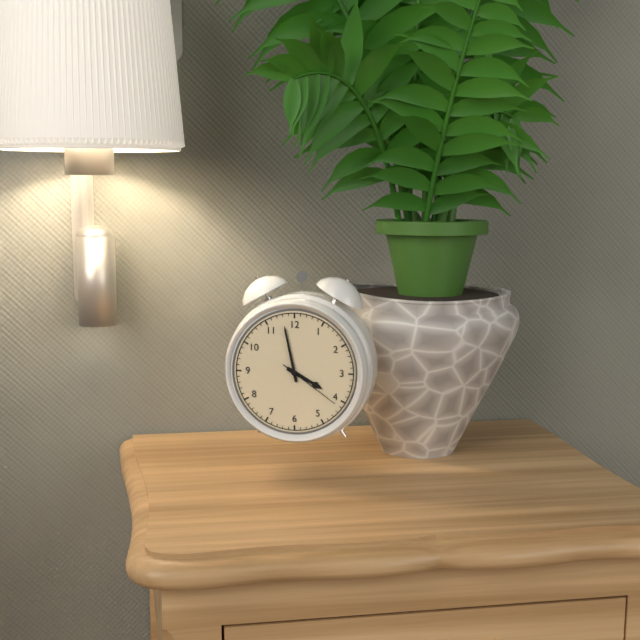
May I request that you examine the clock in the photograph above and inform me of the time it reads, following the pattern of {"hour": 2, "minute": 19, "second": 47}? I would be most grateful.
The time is {"hour": 3, "minute": 58, "second": 21}
